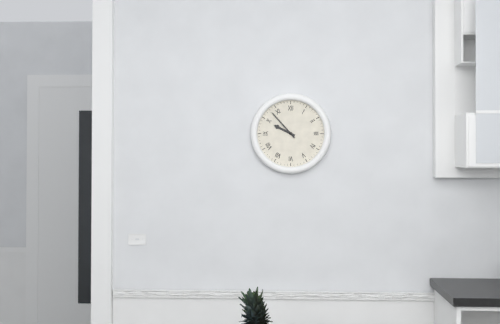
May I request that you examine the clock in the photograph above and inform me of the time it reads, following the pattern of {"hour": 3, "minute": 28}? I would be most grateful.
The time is {"hour": 9, "minute": 53}
